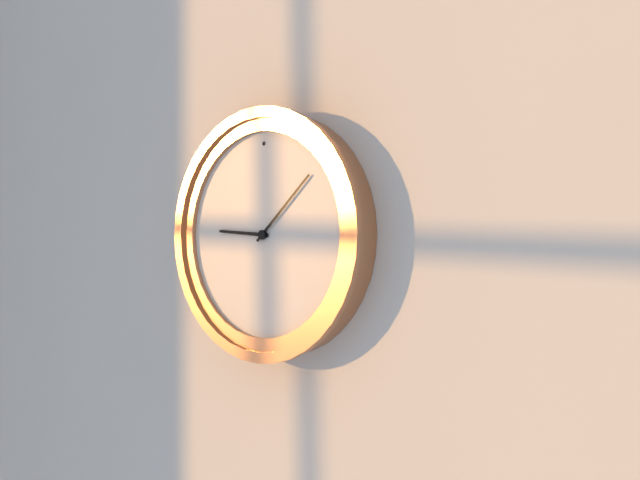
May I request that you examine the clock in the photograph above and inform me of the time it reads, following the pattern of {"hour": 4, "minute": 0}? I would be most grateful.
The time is {"hour": 9, "minute": 8}
